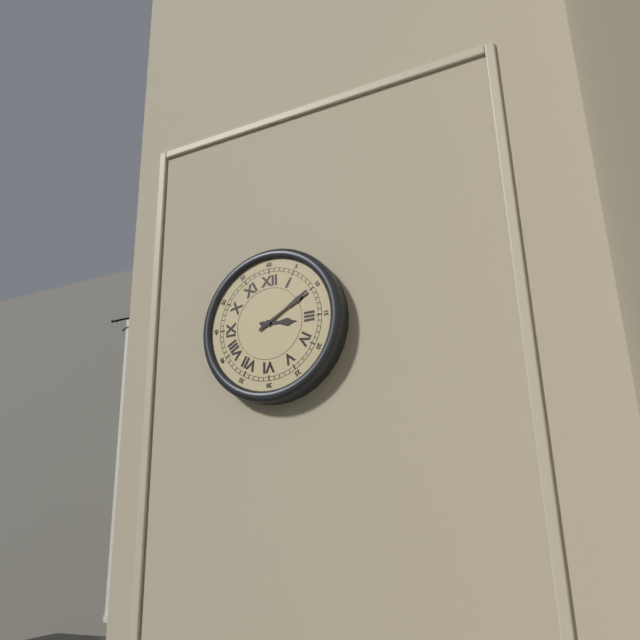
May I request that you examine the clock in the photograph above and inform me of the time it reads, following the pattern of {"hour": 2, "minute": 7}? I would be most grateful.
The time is {"hour": 3, "minute": 10}
